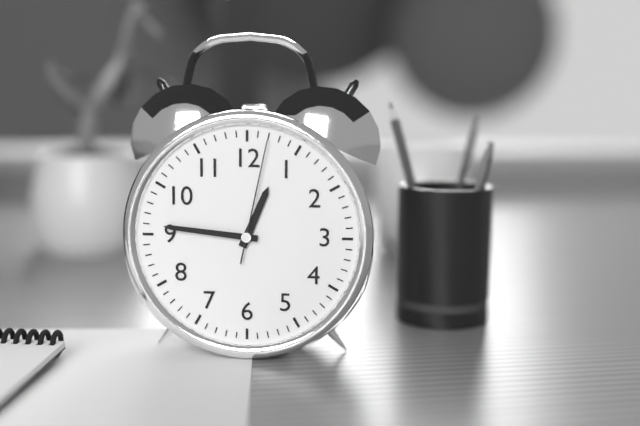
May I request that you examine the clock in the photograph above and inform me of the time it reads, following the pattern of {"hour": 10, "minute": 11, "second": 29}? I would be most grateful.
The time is {"hour": 12, "minute": 46, "second": 2}
